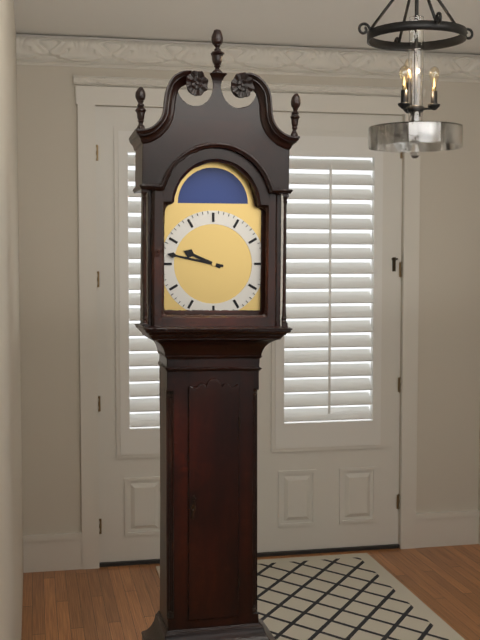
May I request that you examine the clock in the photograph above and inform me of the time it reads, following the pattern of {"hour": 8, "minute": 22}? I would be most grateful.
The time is {"hour": 9, "minute": 47}
